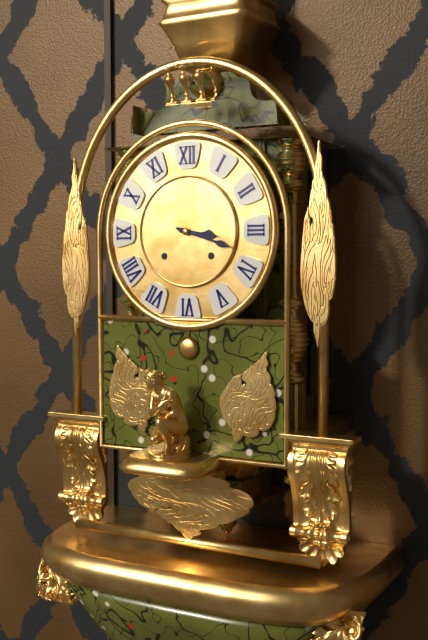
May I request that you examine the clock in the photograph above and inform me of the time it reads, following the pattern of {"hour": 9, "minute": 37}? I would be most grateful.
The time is {"hour": 3, "minute": 18}
